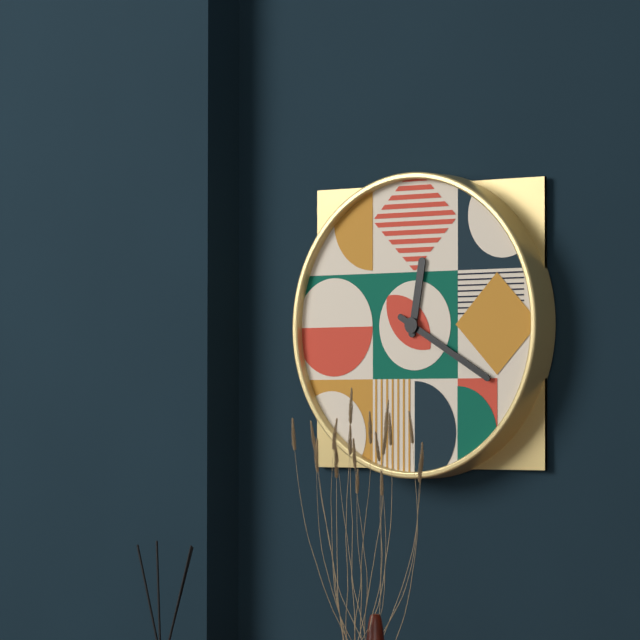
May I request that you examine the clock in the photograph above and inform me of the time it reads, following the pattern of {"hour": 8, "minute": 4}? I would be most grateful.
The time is {"hour": 12, "minute": 20}
